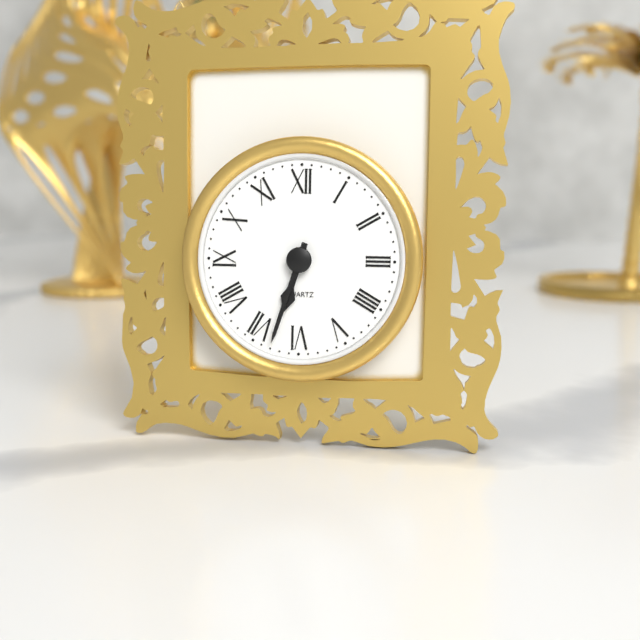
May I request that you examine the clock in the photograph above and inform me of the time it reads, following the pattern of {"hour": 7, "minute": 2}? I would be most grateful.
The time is {"hour": 6, "minute": 33}
